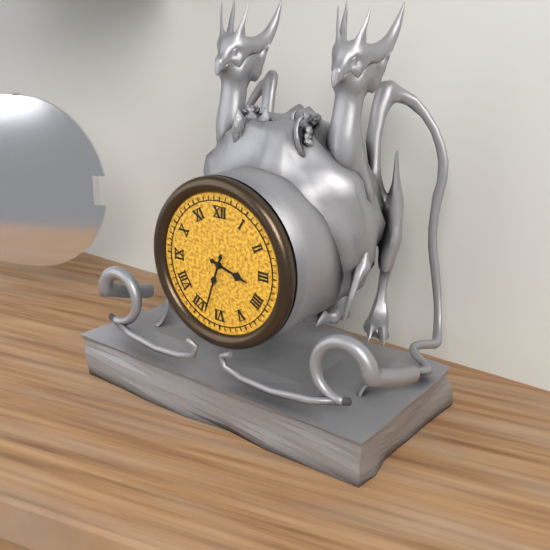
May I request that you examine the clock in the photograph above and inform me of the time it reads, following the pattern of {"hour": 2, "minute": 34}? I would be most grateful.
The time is {"hour": 3, "minute": 33}
